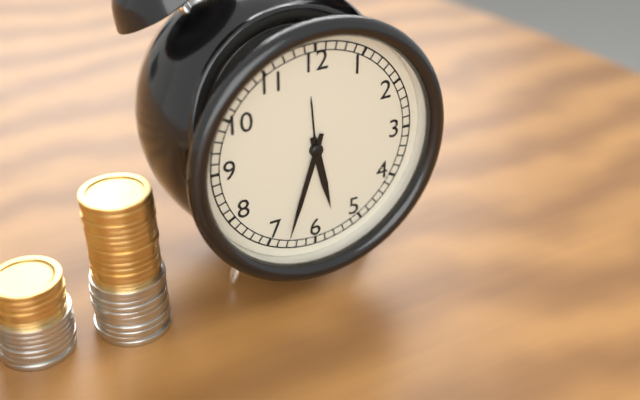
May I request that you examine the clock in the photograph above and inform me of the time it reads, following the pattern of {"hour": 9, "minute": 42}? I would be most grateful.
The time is {"hour": 5, "minute": 33}
